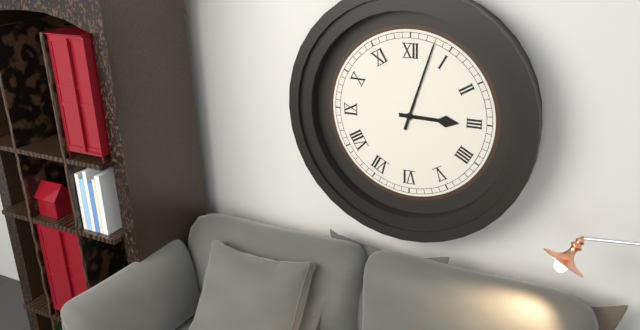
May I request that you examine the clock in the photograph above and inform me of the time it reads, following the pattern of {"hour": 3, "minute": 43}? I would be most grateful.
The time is {"hour": 3, "minute": 3}
